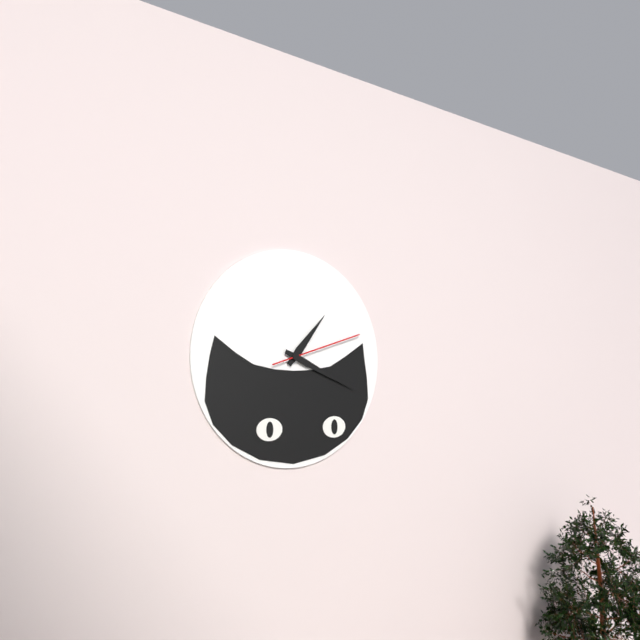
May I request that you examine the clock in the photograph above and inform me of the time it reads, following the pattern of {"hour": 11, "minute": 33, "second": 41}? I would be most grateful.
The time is {"hour": 1, "minute": 19, "second": 12}
